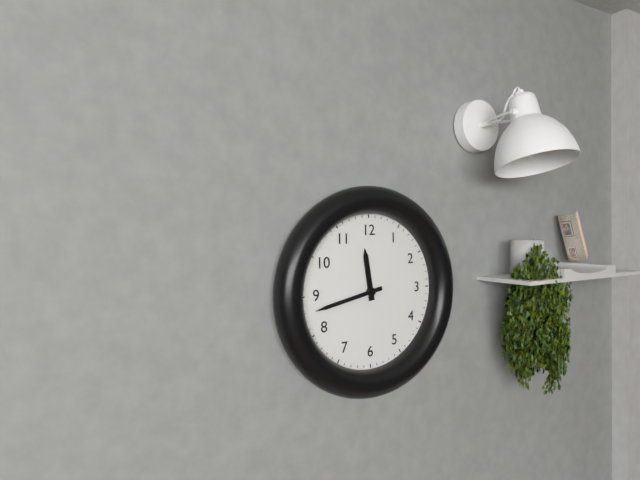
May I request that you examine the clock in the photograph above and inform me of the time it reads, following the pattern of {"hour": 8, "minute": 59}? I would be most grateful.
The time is {"hour": 11, "minute": 43}
